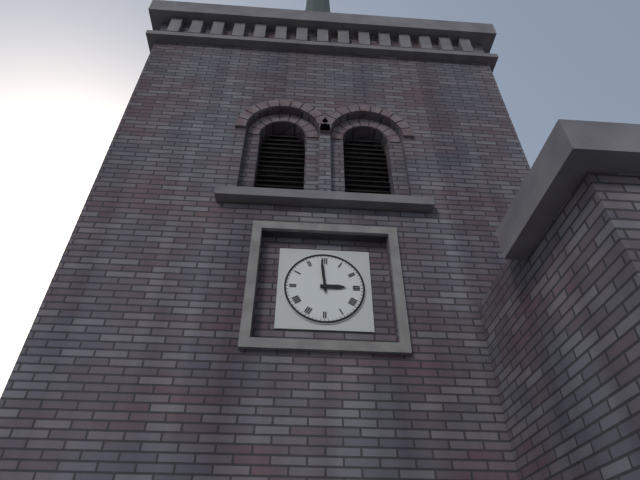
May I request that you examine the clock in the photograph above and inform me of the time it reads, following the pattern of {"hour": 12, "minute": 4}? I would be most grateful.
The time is {"hour": 2, "minute": 59}
